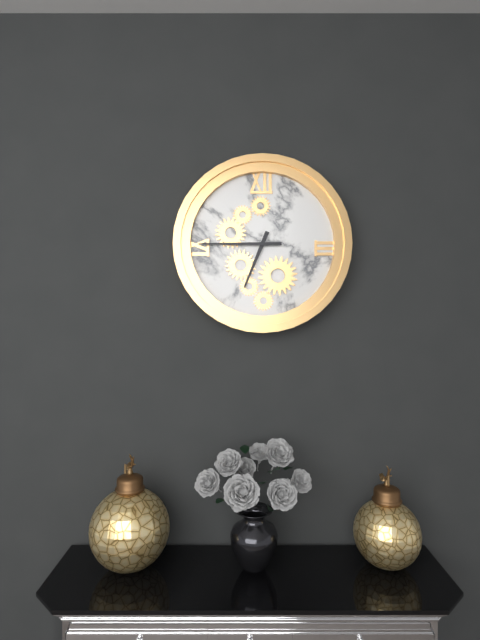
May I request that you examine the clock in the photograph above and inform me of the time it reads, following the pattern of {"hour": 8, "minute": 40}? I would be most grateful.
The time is {"hour": 6, "minute": 45}
